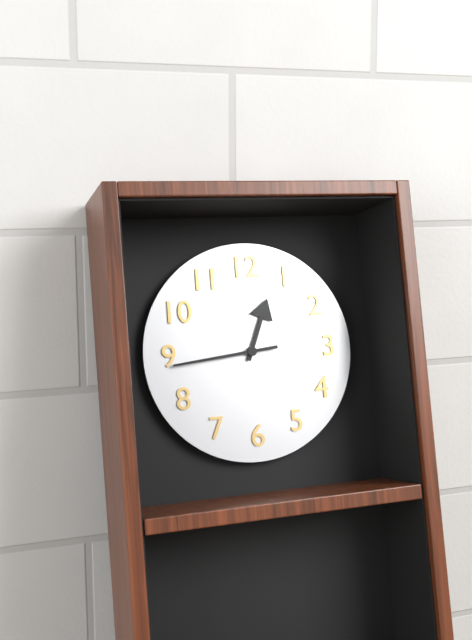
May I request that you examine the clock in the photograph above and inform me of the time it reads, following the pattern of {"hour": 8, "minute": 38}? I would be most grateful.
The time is {"hour": 12, "minute": 44}
